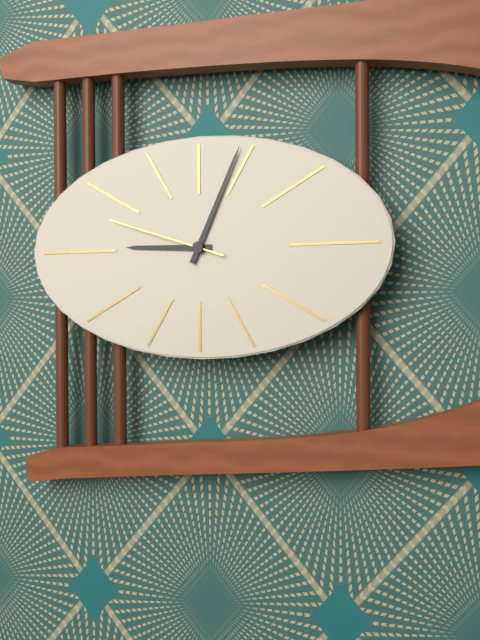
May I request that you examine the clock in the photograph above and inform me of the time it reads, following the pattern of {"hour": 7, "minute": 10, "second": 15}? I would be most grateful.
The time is {"hour": 9, "minute": 4, "second": 48}
